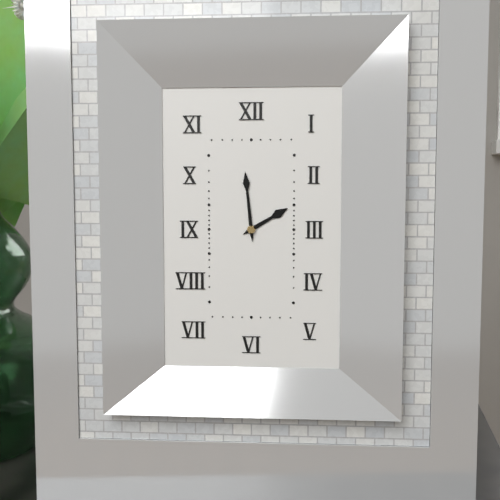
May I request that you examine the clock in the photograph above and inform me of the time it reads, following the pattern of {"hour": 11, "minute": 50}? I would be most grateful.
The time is {"hour": 1, "minute": 59}
